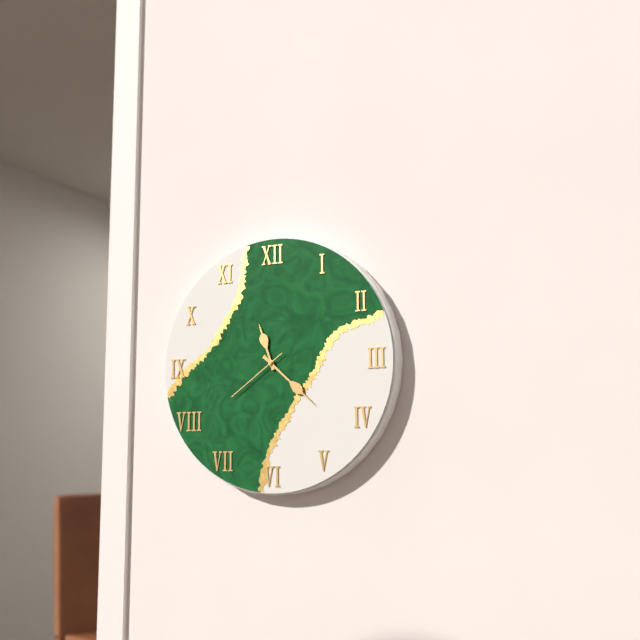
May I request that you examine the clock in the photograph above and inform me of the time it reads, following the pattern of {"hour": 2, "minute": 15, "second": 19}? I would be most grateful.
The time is {"hour": 11, "minute": 22, "second": 39}
